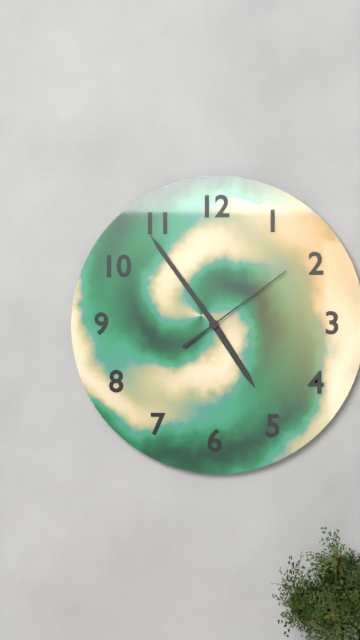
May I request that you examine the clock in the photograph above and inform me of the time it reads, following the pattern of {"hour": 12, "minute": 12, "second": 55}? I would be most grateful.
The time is {"hour": 4, "minute": 54, "second": 9}
